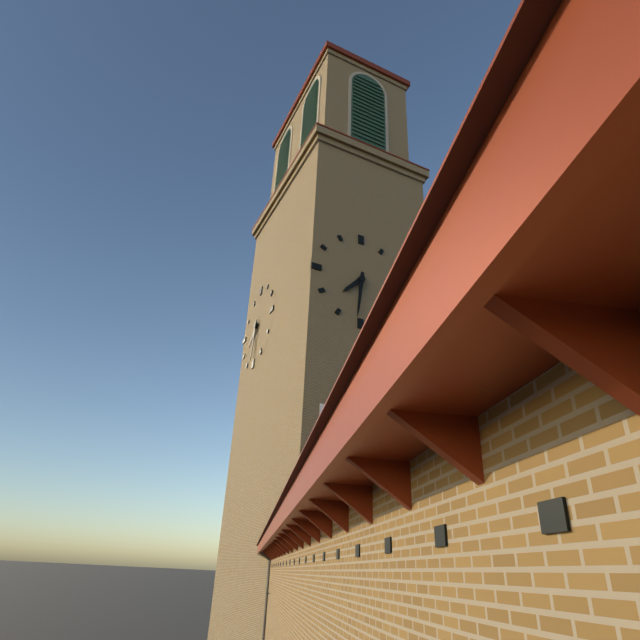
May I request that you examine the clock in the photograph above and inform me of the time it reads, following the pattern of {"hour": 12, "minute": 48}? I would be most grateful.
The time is {"hour": 7, "minute": 31}
